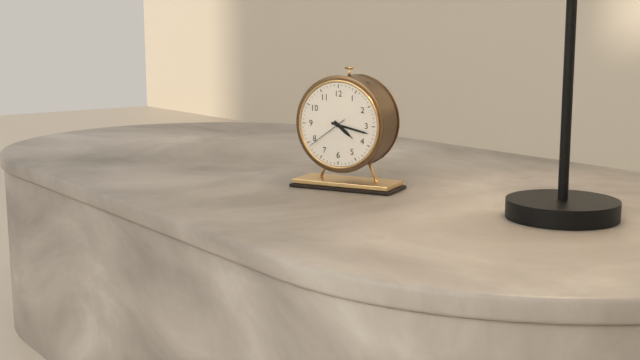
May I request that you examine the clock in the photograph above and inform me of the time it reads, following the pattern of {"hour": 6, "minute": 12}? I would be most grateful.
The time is {"hour": 4, "minute": 17}
